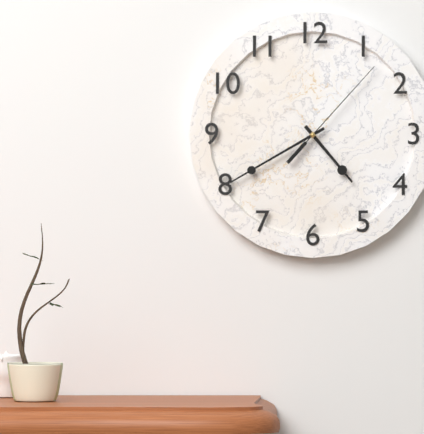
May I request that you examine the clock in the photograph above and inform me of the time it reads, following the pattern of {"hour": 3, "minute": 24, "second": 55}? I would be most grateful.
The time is {"hour": 4, "minute": 40, "second": 7}
